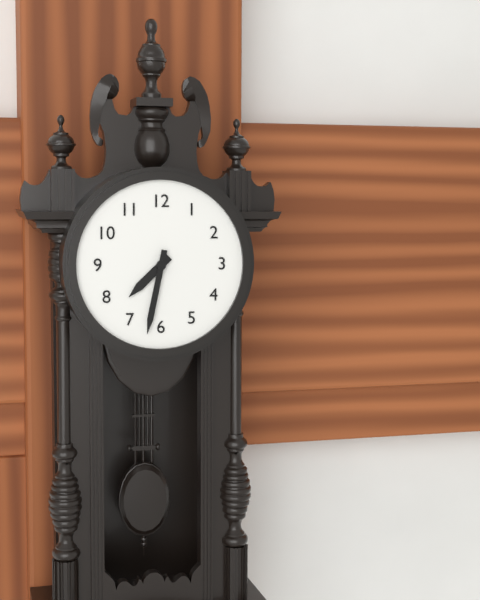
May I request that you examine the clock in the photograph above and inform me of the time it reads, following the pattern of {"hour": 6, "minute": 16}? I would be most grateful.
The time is {"hour": 7, "minute": 32}
